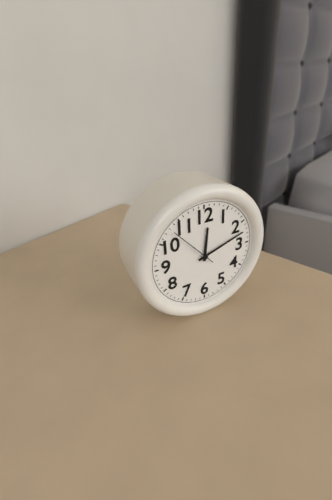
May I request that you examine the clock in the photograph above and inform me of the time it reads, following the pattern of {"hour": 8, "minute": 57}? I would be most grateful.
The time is {"hour": 12, "minute": 12}
